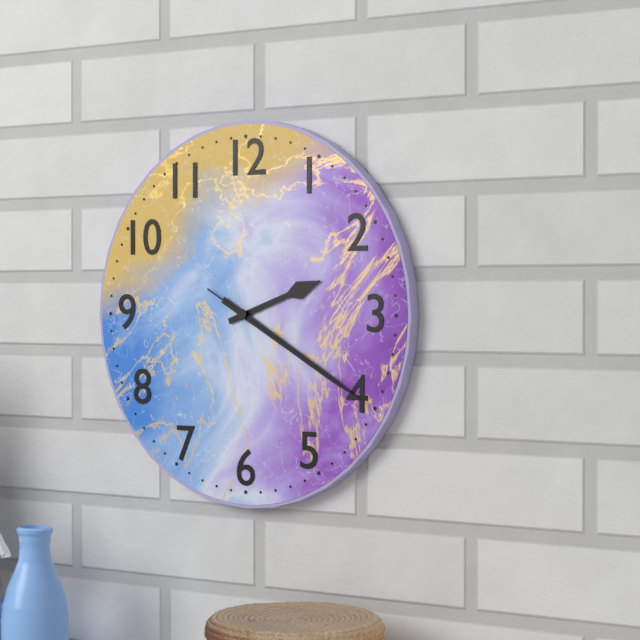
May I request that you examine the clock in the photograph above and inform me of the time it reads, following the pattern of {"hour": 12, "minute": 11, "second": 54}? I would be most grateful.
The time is {"hour": 2, "minute": 20, "second": 20}
